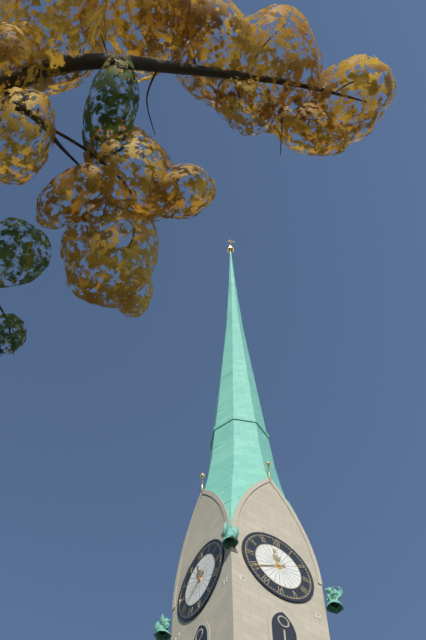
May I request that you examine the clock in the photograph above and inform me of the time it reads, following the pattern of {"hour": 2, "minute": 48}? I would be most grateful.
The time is {"hour": 11, "minute": 40}
